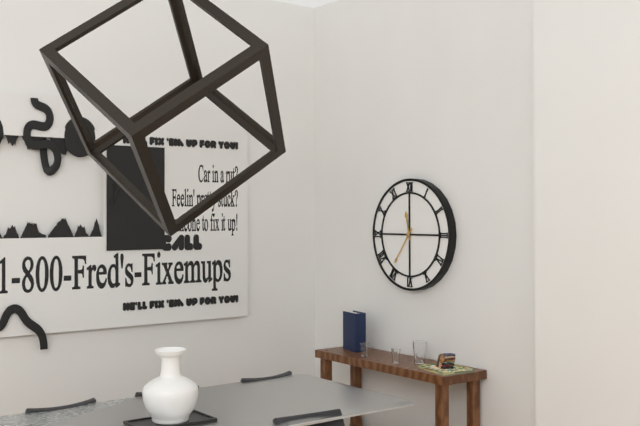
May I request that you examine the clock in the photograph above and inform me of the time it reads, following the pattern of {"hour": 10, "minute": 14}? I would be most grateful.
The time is {"hour": 11, "minute": 36}
